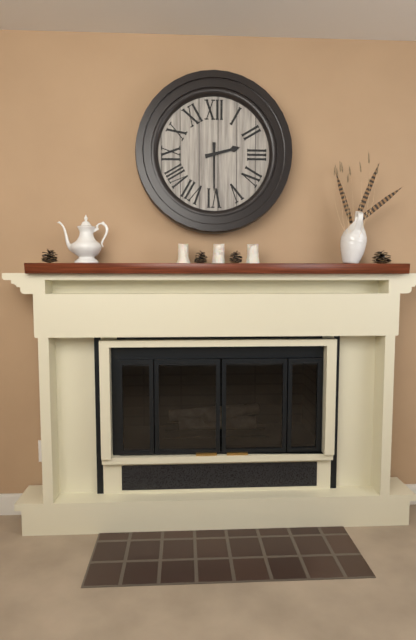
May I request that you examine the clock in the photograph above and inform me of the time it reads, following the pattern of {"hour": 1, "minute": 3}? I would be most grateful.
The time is {"hour": 2, "minute": 30}
